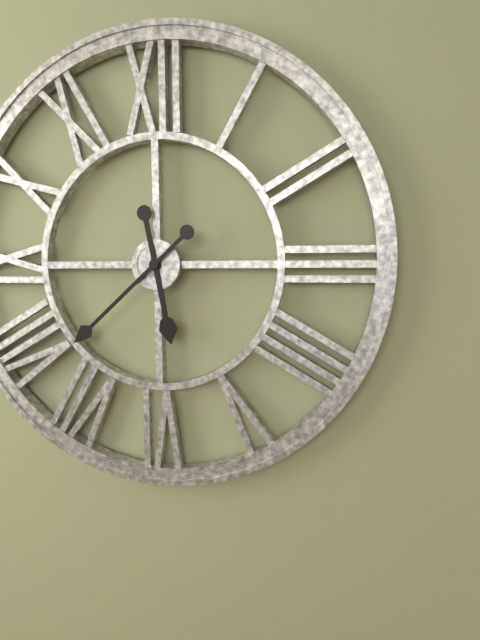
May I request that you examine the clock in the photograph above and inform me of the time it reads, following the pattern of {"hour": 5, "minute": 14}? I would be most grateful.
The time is {"hour": 5, "minute": 38}
